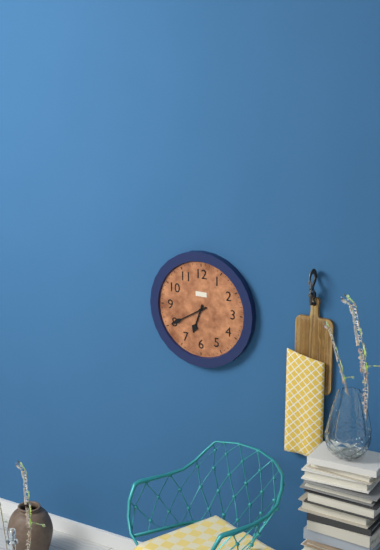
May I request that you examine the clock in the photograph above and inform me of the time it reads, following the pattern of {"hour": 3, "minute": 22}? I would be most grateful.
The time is {"hour": 6, "minute": 40}
